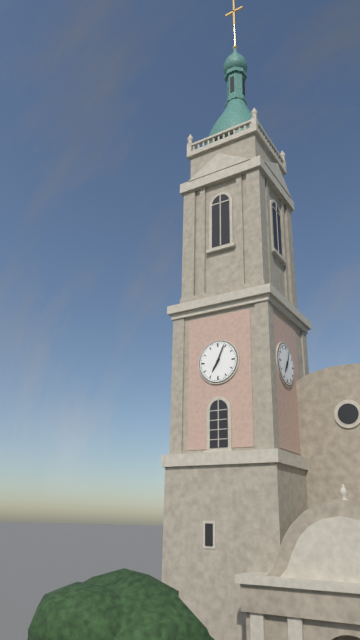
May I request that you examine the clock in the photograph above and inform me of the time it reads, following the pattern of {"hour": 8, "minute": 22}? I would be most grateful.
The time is {"hour": 7, "minute": 4}
